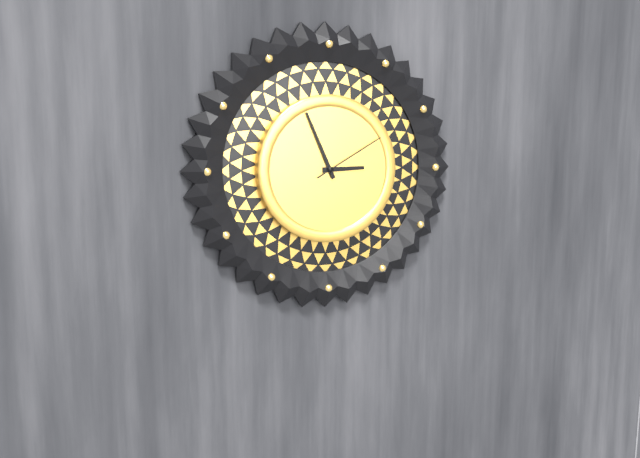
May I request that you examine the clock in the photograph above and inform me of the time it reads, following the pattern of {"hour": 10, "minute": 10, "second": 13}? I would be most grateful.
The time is {"hour": 2, "minute": 56, "second": 10}
